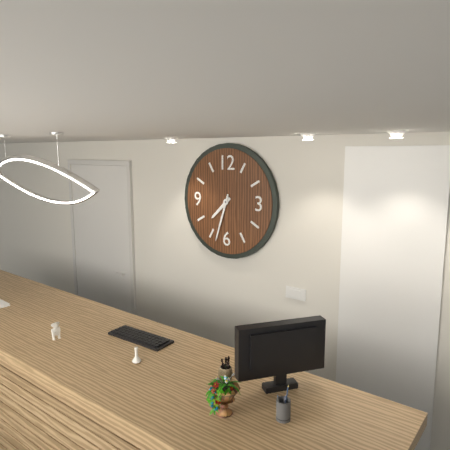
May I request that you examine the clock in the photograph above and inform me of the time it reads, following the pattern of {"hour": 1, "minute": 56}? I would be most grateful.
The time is {"hour": 7, "minute": 33}
